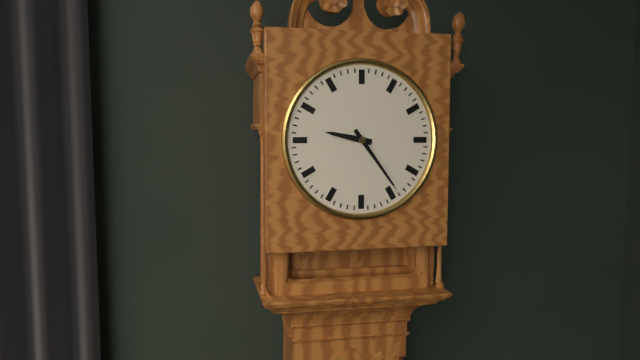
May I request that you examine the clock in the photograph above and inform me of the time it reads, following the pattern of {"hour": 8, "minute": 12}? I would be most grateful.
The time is {"hour": 9, "minute": 24}
